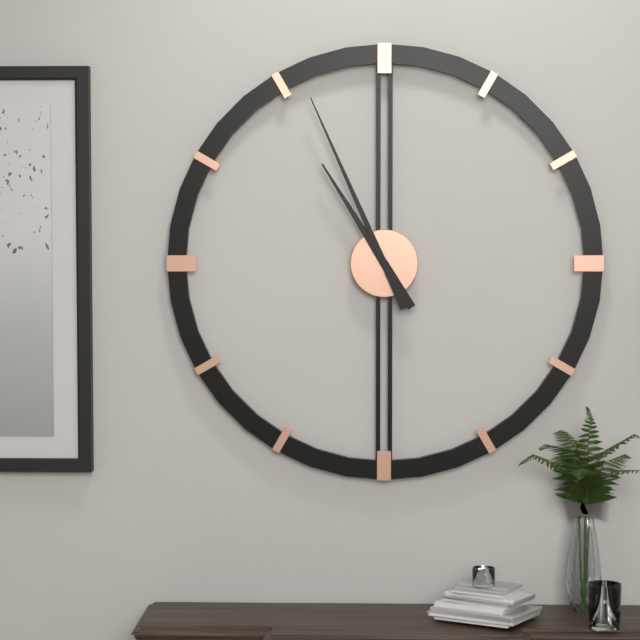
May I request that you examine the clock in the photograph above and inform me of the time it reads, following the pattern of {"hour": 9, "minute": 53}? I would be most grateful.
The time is {"hour": 10, "minute": 56}
